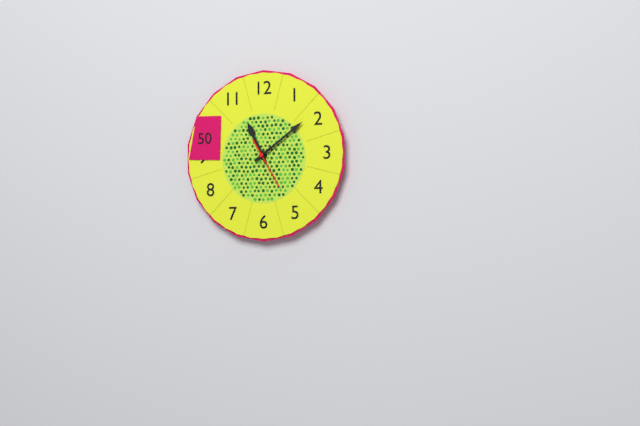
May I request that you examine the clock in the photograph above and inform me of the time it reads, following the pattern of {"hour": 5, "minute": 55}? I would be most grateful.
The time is {"hour": 11, "minute": 9}
